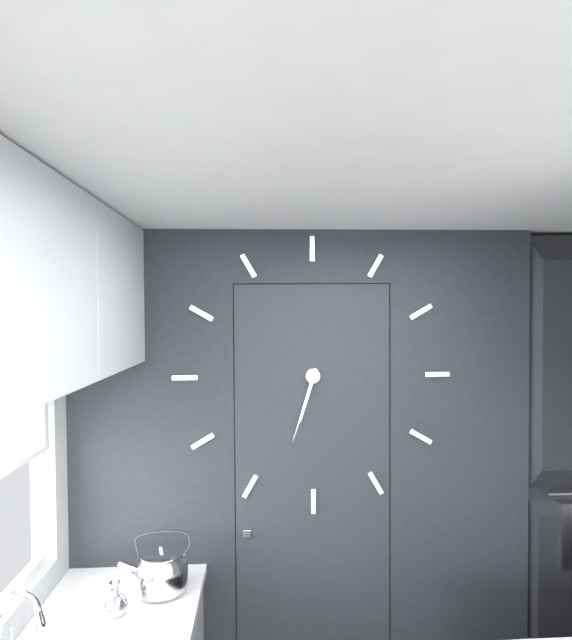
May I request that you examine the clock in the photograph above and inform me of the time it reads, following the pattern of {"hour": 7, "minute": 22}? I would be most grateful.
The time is {"hour": 6, "minute": 33}
